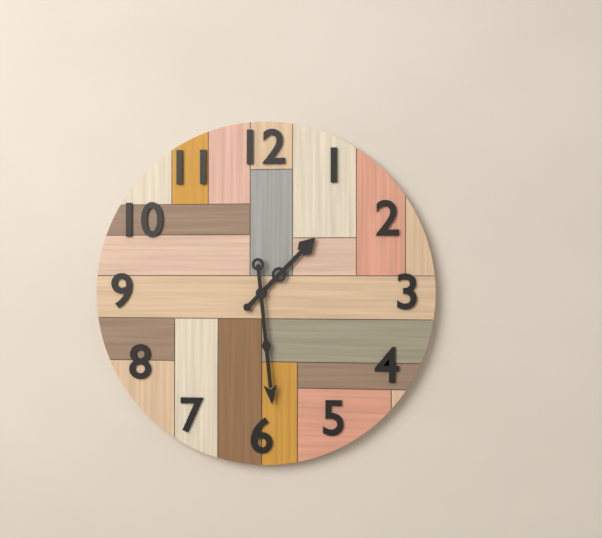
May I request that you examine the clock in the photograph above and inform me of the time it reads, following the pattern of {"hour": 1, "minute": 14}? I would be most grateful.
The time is {"hour": 1, "minute": 29}
